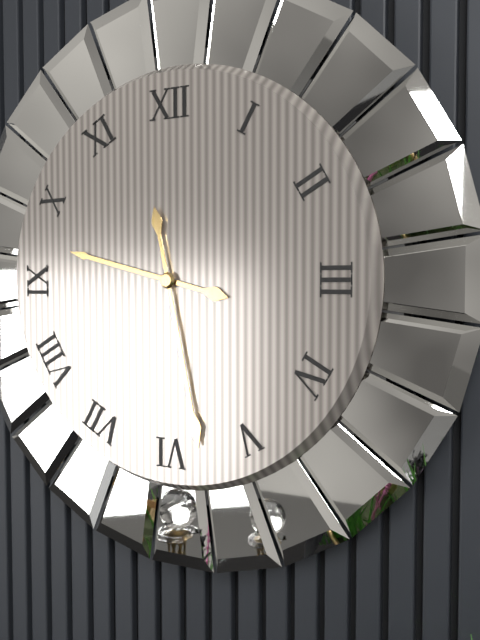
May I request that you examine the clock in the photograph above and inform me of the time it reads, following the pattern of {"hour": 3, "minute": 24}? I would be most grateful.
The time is {"hour": 9, "minute": 28}
